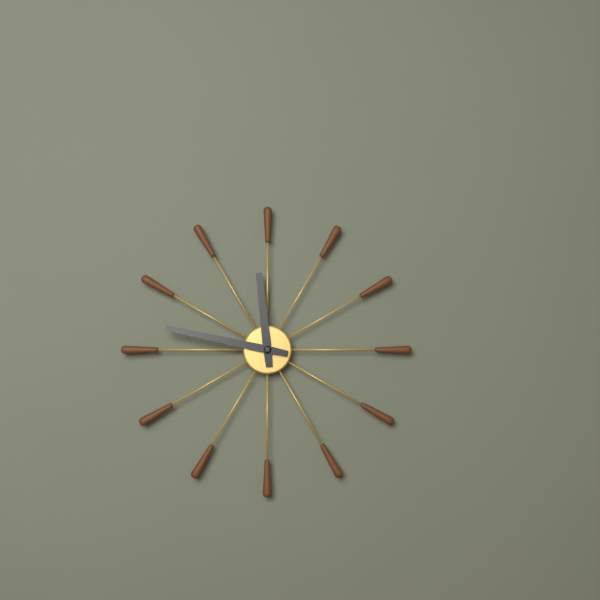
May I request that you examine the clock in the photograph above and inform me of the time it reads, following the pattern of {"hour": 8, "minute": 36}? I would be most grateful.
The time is {"hour": 11, "minute": 47}
